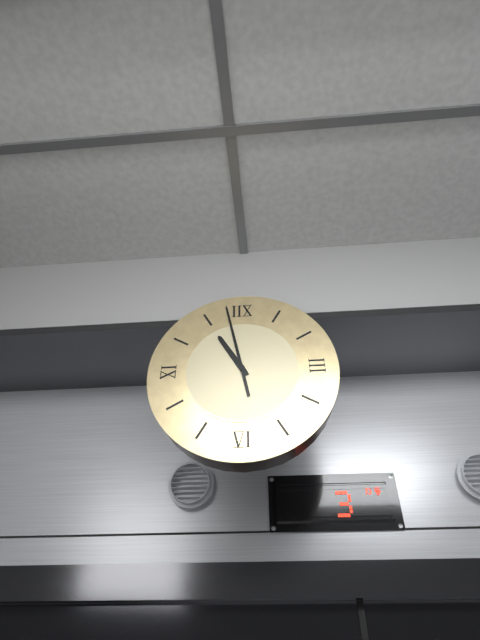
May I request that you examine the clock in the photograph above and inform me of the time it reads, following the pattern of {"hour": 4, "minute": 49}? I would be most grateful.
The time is {"hour": 10, "minute": 58}
